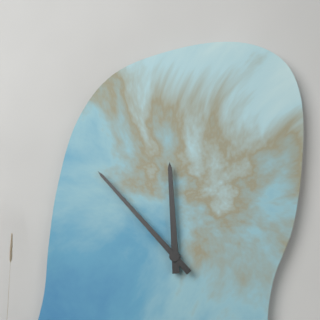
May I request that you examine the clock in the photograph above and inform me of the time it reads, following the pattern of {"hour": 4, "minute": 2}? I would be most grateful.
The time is {"hour": 11, "minute": 53}
